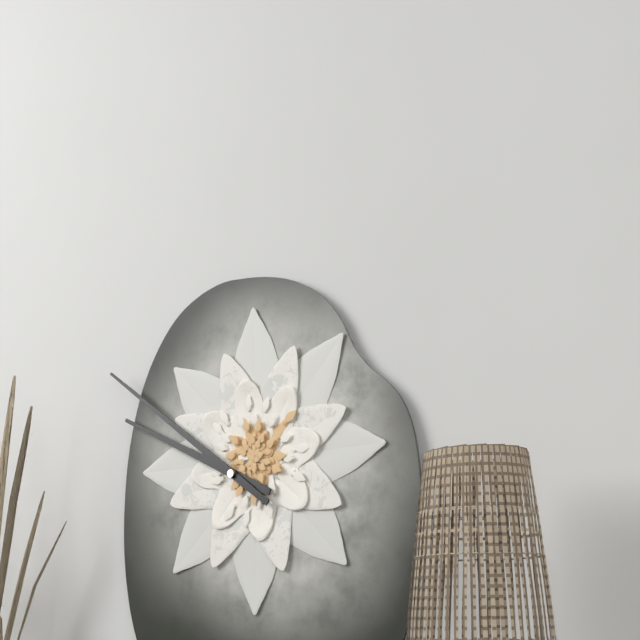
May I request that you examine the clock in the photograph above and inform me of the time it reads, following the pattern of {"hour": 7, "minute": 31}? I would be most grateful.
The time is {"hour": 9, "minute": 51}
